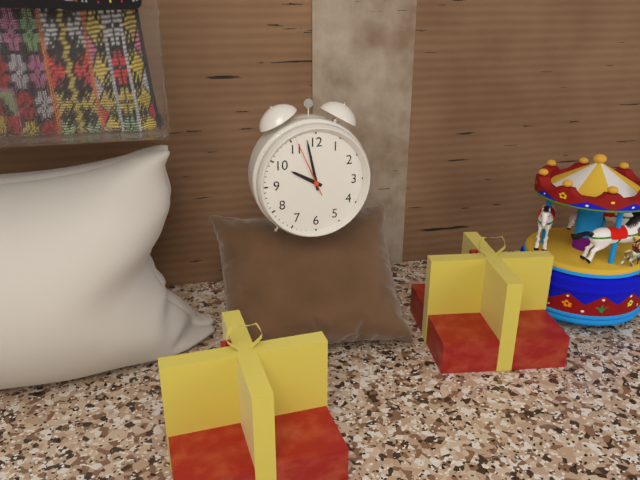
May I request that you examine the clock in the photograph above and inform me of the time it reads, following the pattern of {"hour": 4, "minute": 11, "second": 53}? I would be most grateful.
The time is {"hour": 9, "minute": 58, "second": 56}
